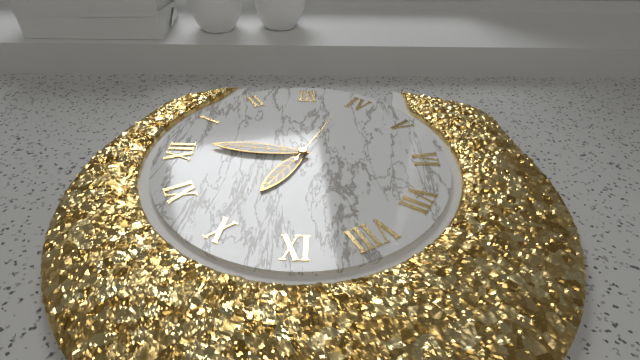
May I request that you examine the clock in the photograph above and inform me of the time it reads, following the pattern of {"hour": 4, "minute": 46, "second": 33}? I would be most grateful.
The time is {"hour": 10, "minute": 1, "second": 19}
